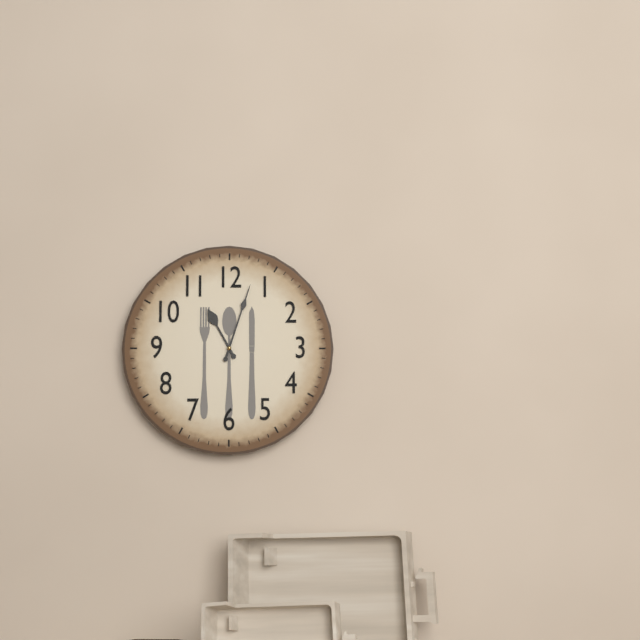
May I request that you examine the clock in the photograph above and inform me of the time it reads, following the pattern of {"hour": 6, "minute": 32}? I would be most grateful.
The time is {"hour": 11, "minute": 3}
